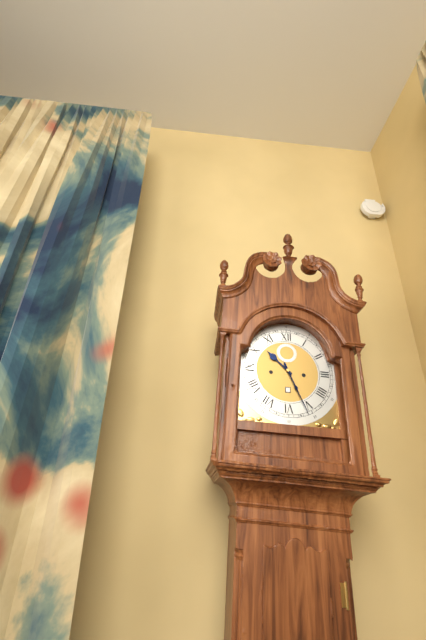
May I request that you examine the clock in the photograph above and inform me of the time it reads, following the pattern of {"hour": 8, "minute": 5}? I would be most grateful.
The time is {"hour": 10, "minute": 26}
